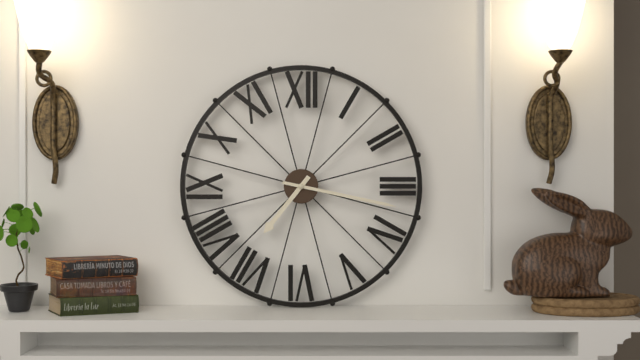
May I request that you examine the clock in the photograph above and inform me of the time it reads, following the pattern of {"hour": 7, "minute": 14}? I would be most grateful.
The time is {"hour": 7, "minute": 17}
